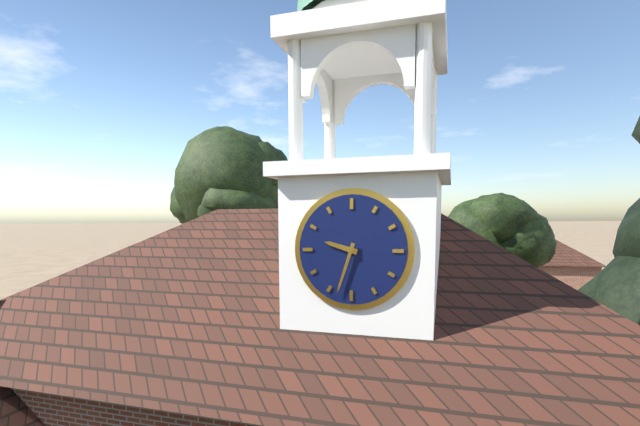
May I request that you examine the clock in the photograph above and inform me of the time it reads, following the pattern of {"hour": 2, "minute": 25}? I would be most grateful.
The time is {"hour": 9, "minute": 33}
